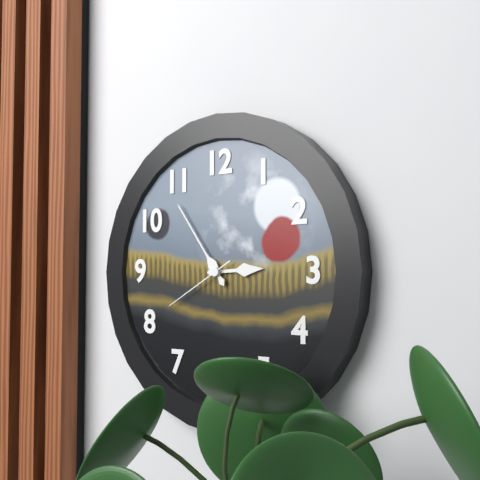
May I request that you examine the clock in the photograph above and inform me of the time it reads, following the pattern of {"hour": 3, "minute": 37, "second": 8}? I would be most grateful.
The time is {"hour": 2, "minute": 54, "second": 40}
